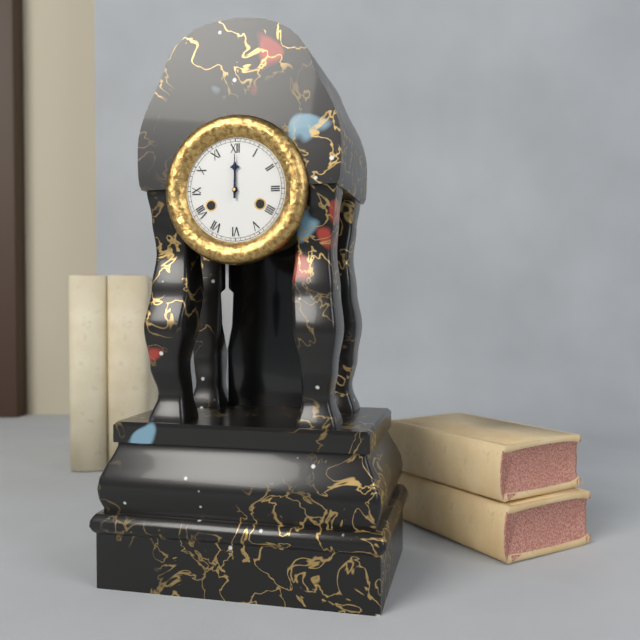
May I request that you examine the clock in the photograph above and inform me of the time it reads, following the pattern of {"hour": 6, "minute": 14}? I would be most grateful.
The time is {"hour": 12, "minute": 0}
